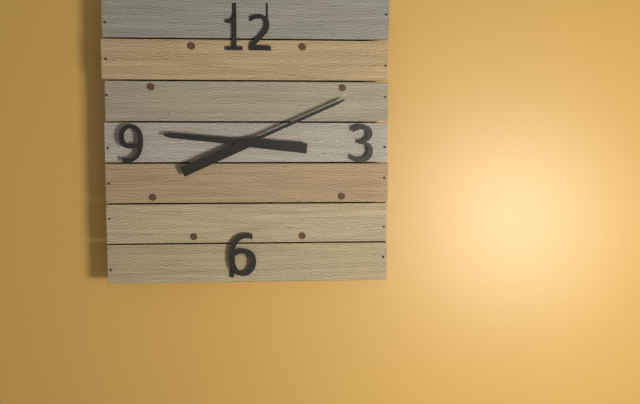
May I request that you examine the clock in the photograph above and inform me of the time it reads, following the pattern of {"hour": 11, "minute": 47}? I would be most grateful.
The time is {"hour": 9, "minute": 11}
